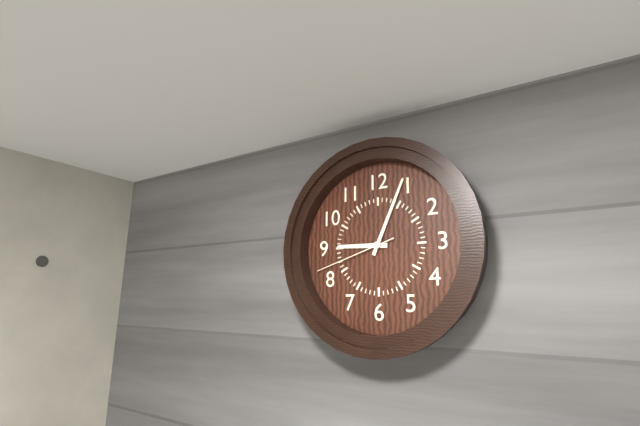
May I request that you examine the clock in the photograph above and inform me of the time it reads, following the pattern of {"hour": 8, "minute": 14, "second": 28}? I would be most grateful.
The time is {"hour": 9, "minute": 4, "second": 42}
